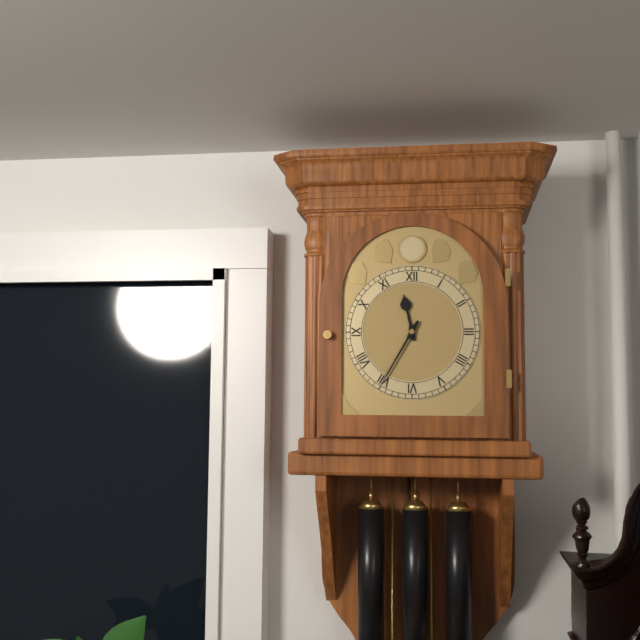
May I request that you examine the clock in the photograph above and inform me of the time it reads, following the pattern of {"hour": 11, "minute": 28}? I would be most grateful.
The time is {"hour": 11, "minute": 35}
